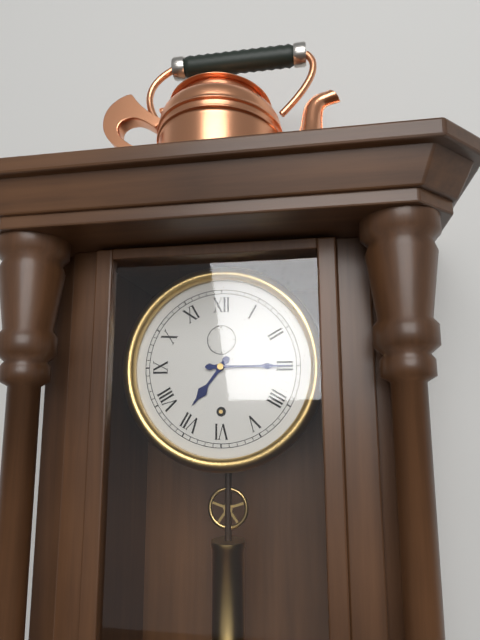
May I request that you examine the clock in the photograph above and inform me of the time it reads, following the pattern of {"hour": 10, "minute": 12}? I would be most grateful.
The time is {"hour": 7, "minute": 15}
